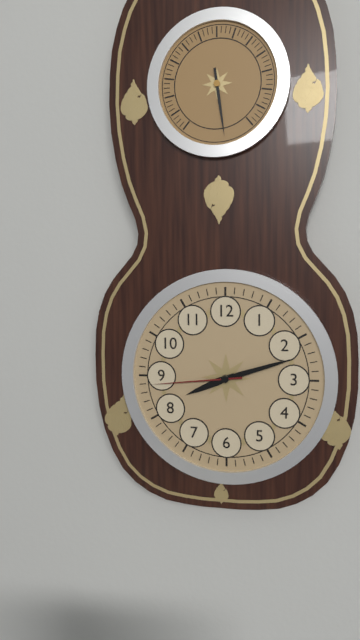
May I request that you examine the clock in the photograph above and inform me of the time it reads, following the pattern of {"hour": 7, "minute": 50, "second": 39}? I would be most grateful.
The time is {"hour": 8, "minute": 12, "second": 44}
